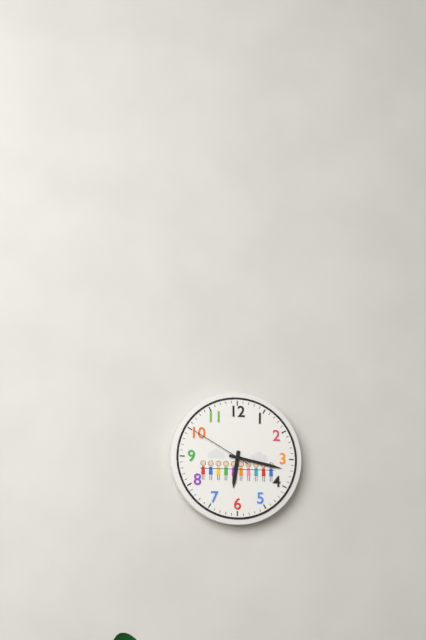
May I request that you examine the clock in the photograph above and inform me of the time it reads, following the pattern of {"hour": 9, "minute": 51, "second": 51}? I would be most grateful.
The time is {"hour": 6, "minute": 17, "second": 50}
